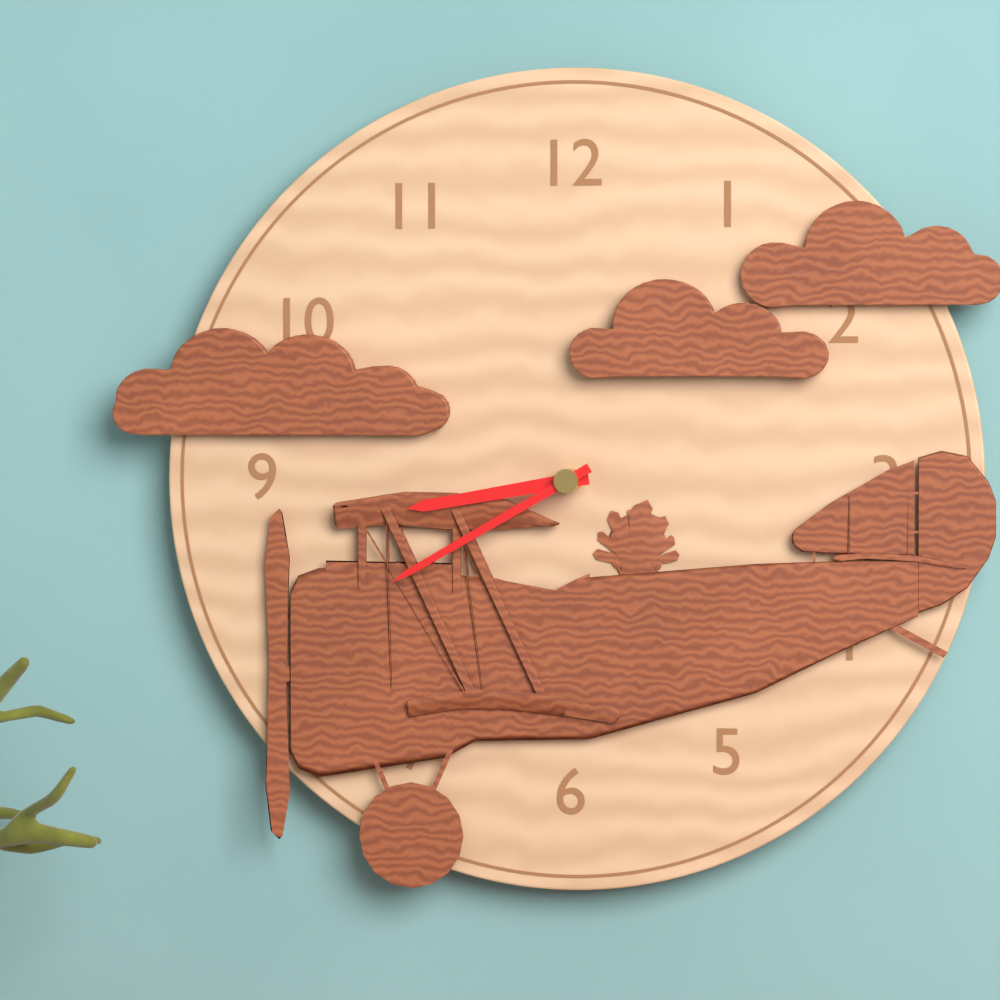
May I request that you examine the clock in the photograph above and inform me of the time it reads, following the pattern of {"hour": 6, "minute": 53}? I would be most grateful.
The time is {"hour": 8, "minute": 40}
